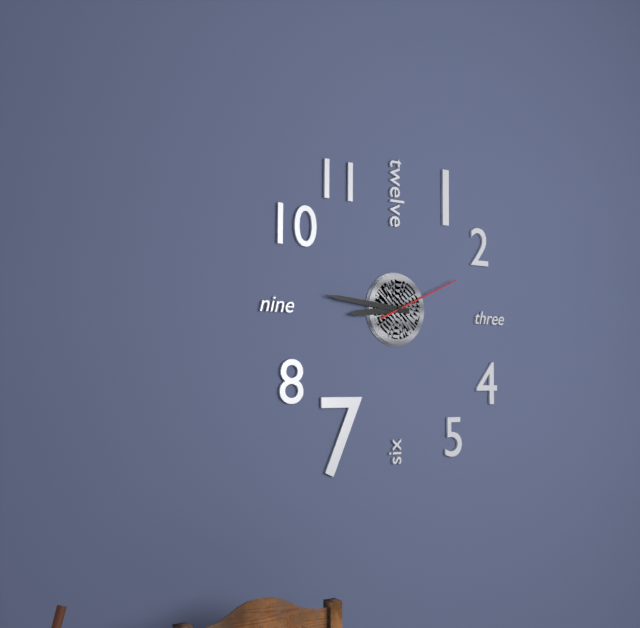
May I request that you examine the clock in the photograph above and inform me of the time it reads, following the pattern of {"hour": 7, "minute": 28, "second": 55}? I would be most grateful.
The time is {"hour": 8, "minute": 46, "second": 11}
